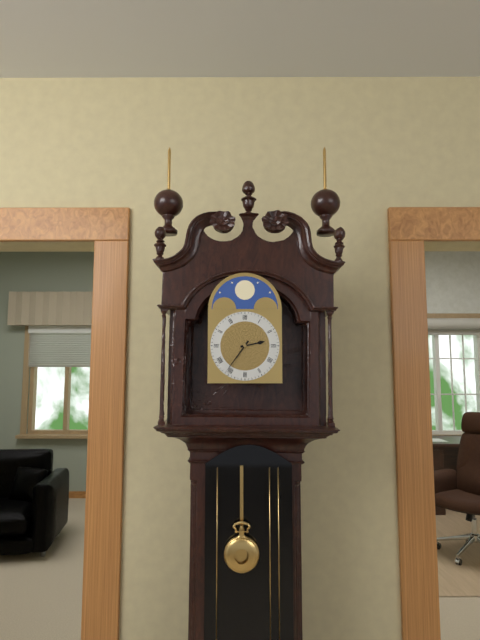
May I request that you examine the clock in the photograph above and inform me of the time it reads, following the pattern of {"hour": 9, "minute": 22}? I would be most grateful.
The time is {"hour": 2, "minute": 36}
